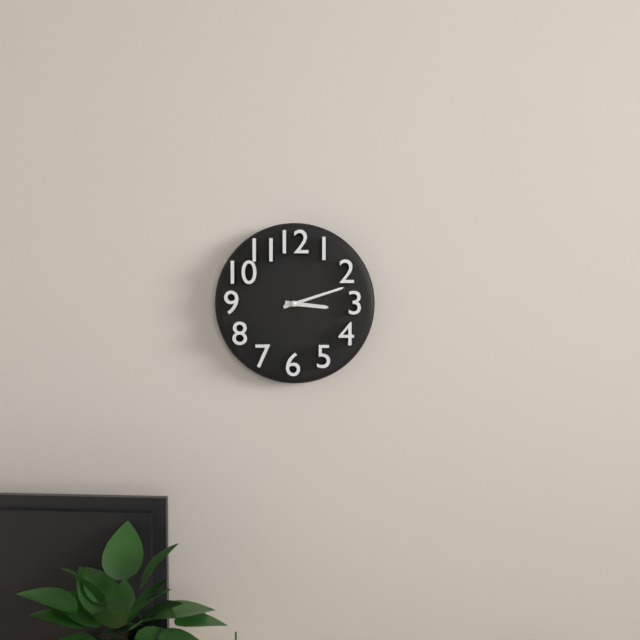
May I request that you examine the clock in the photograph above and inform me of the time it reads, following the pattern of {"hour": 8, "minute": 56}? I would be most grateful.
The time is {"hour": 3, "minute": 12}
